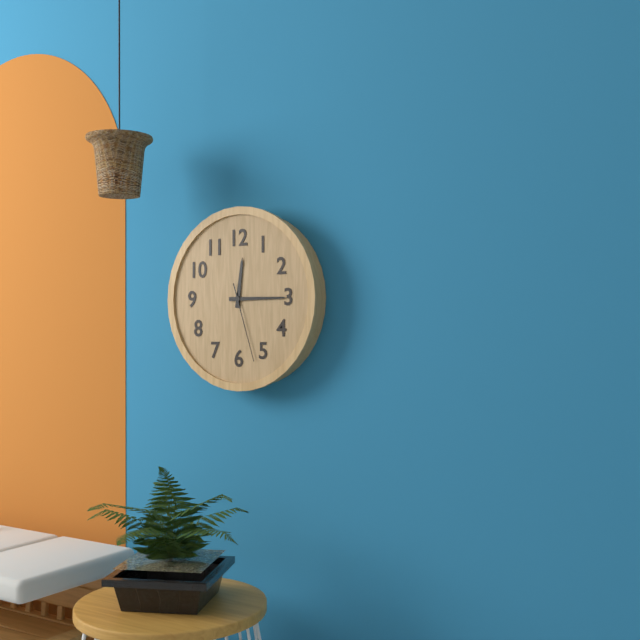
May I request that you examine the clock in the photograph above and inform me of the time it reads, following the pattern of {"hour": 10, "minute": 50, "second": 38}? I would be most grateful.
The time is {"hour": 12, "minute": 15, "second": 27}
